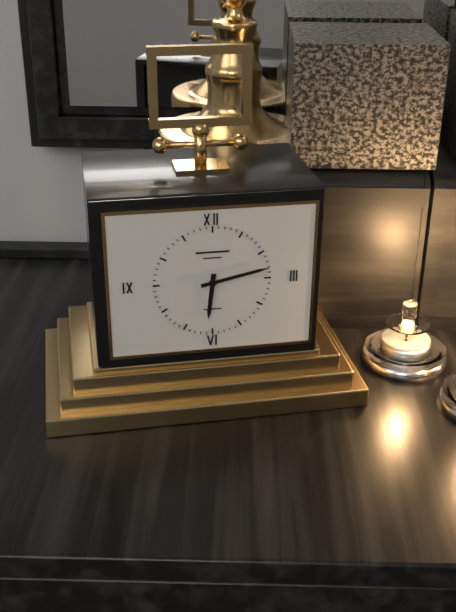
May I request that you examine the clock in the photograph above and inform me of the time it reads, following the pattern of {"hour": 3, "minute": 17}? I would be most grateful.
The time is {"hour": 6, "minute": 13}
